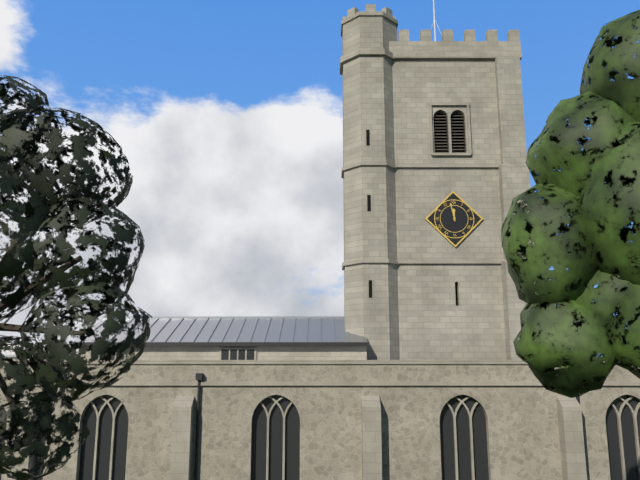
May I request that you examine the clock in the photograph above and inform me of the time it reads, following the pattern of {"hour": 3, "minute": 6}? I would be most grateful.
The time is {"hour": 11, "minute": 58}
